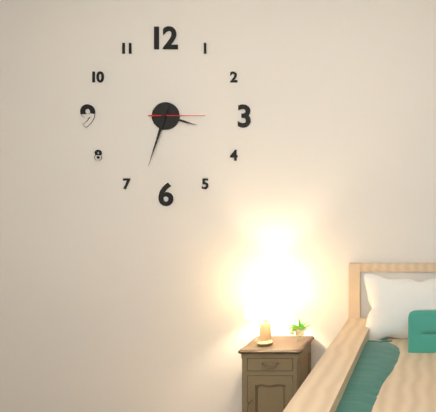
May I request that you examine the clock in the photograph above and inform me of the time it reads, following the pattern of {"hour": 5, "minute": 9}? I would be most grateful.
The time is {"hour": 3, "minute": 33}
